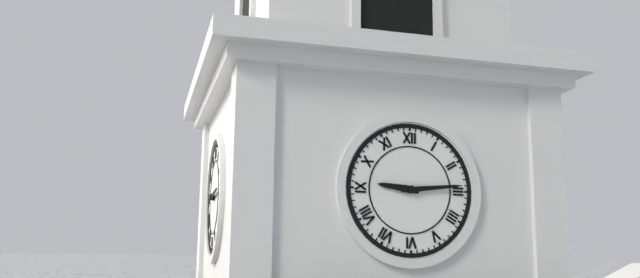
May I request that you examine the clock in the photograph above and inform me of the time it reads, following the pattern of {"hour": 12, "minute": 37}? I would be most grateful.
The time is {"hour": 9, "minute": 14}
